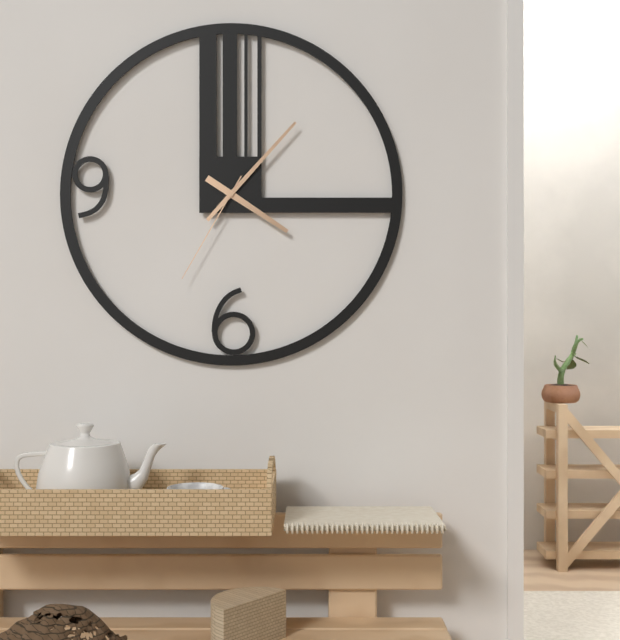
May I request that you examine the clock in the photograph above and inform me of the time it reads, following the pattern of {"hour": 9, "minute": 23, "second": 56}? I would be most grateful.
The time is {"hour": 4, "minute": 7, "second": 35}
